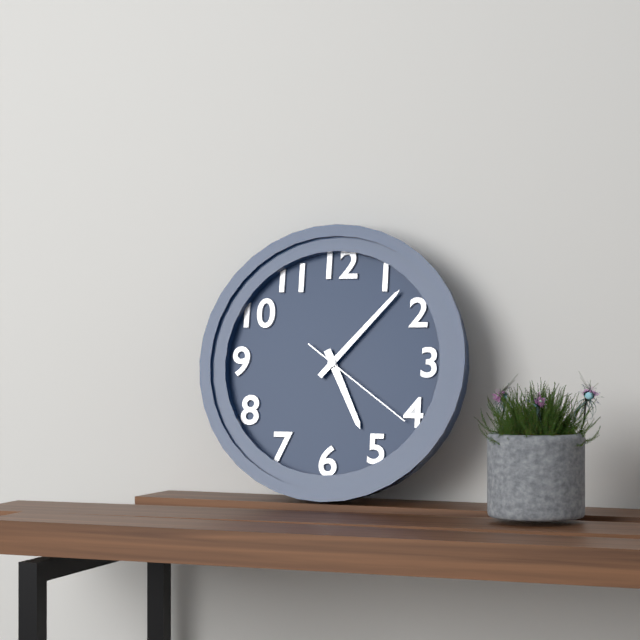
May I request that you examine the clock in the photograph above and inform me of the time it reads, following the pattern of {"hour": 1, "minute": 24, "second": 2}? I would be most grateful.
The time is {"hour": 5, "minute": 7, "second": 21}
